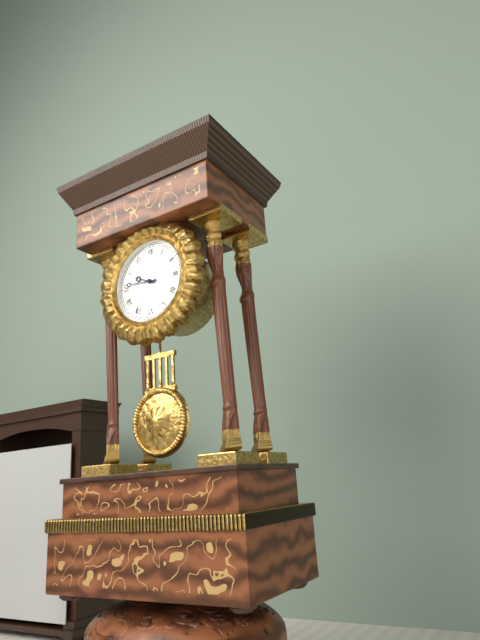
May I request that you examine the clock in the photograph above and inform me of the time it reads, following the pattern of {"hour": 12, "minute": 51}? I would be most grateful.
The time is {"hour": 9, "minute": 46}
